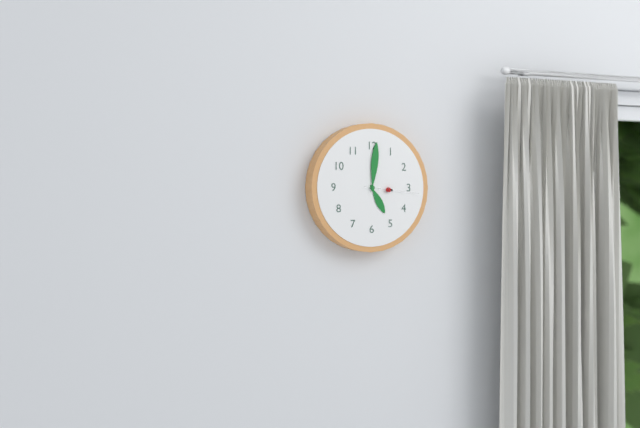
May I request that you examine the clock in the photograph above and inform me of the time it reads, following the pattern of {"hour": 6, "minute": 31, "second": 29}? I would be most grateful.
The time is {"hour": 5, "minute": 1, "second": 16}
